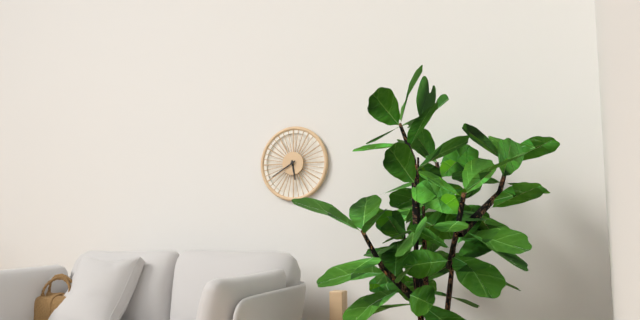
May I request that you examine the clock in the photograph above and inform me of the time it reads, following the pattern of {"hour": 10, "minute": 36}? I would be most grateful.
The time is {"hour": 5, "minute": 40}
